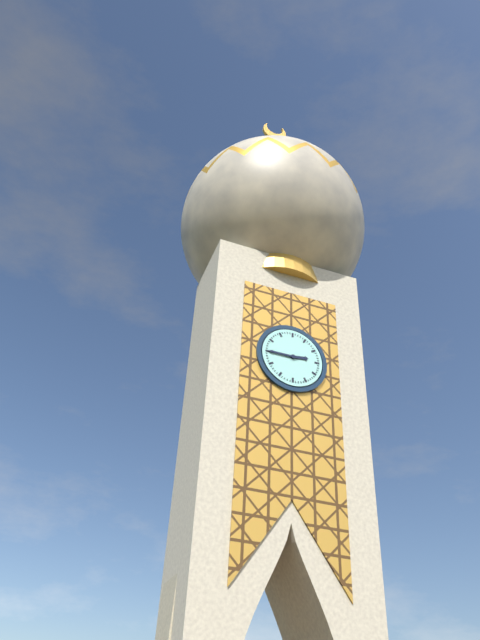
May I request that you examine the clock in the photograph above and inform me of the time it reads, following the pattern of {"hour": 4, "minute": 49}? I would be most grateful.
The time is {"hour": 2, "minute": 45}
